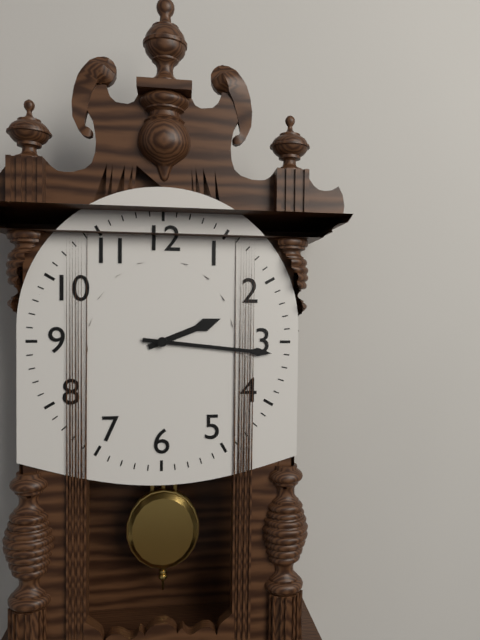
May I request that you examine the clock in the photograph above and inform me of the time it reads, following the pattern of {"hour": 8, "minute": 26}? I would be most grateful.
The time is {"hour": 2, "minute": 16}
